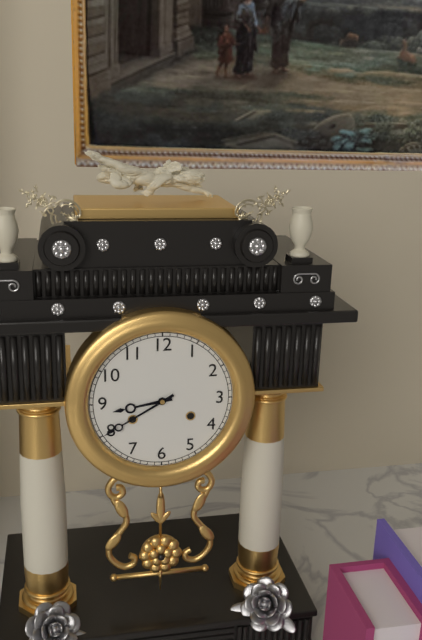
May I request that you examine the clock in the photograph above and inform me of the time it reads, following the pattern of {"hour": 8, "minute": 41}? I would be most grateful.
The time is {"hour": 8, "minute": 40}
